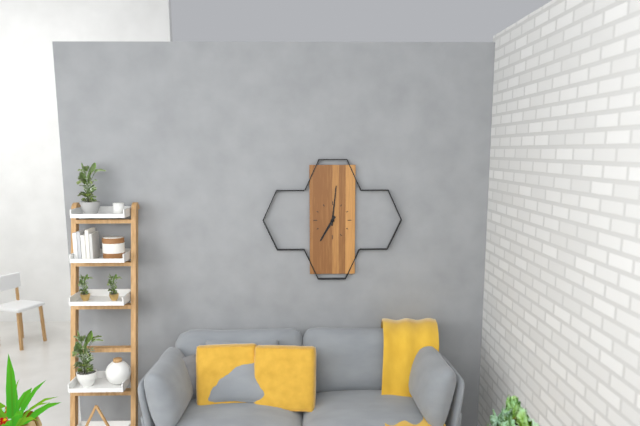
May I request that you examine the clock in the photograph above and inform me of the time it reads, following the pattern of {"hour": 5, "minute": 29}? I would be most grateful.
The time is {"hour": 7, "minute": 1}
